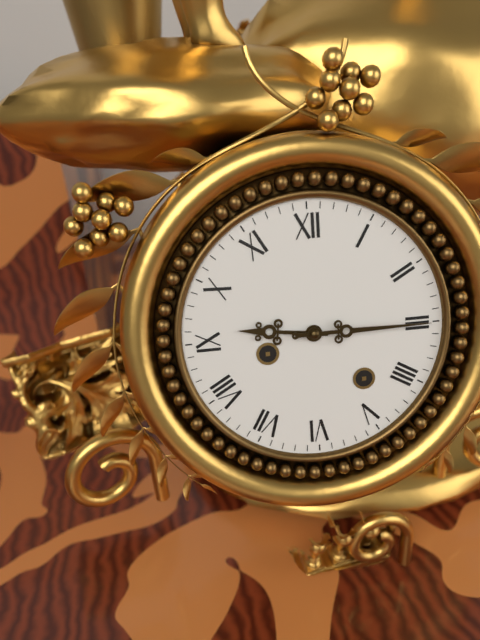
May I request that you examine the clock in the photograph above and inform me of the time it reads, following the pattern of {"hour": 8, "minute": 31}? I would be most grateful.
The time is {"hour": 9, "minute": 15}
